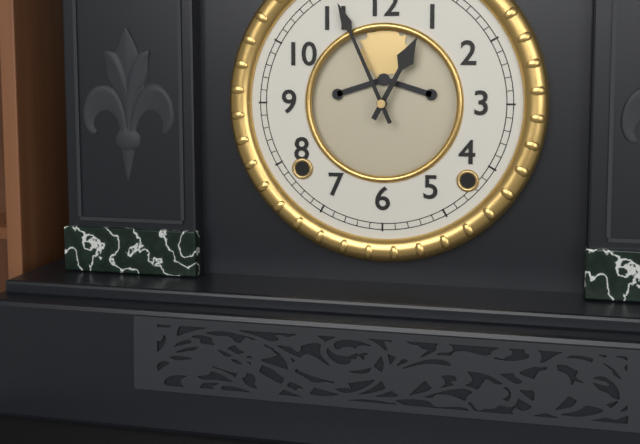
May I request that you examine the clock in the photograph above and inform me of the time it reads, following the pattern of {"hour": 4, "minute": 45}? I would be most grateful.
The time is {"hour": 12, "minute": 56}
